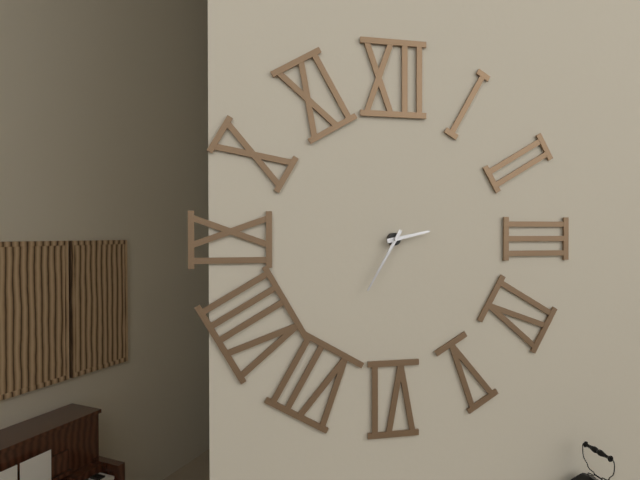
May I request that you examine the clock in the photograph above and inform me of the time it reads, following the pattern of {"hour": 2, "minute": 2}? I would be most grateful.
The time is {"hour": 2, "minute": 35}
